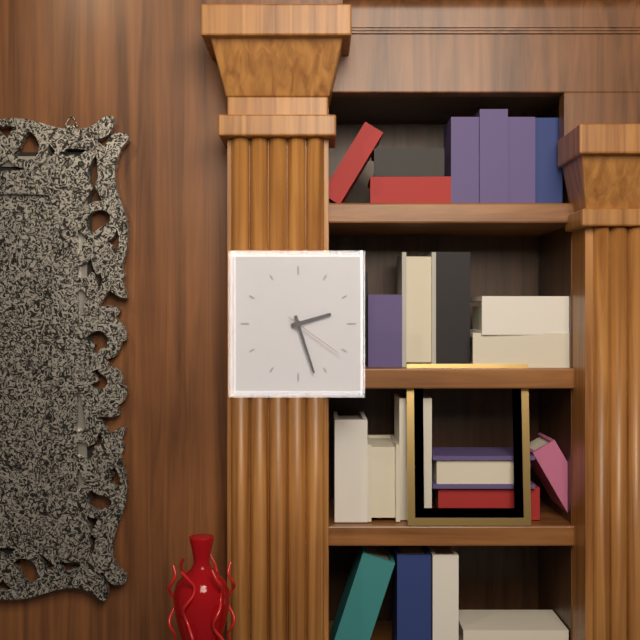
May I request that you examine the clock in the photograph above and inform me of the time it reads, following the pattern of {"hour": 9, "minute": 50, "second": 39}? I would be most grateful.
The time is {"hour": 2, "minute": 27, "second": 21}
